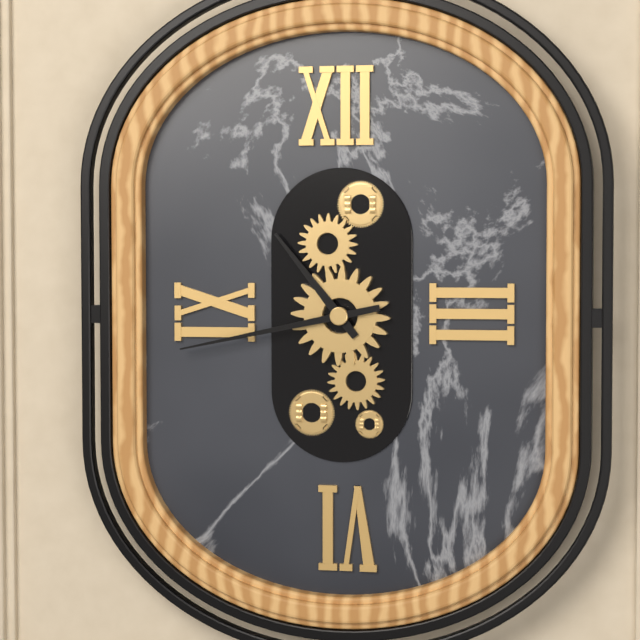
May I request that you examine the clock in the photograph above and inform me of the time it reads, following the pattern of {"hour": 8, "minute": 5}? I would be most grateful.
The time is {"hour": 10, "minute": 43}
